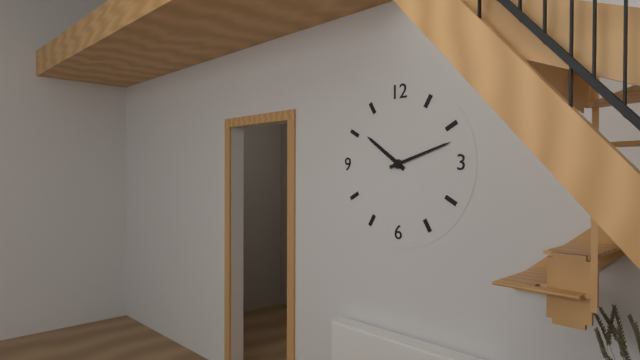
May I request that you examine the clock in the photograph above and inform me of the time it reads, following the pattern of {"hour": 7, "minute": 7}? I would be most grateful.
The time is {"hour": 10, "minute": 12}
